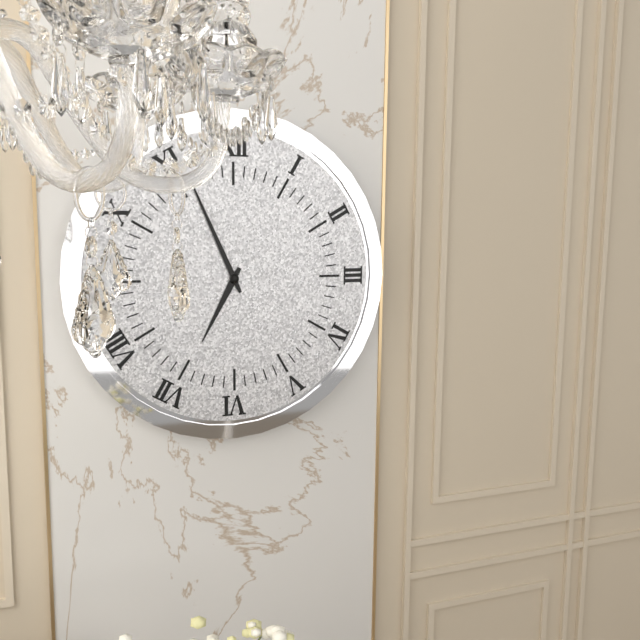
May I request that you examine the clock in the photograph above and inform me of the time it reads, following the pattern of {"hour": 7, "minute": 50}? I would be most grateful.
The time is {"hour": 6, "minute": 56}
